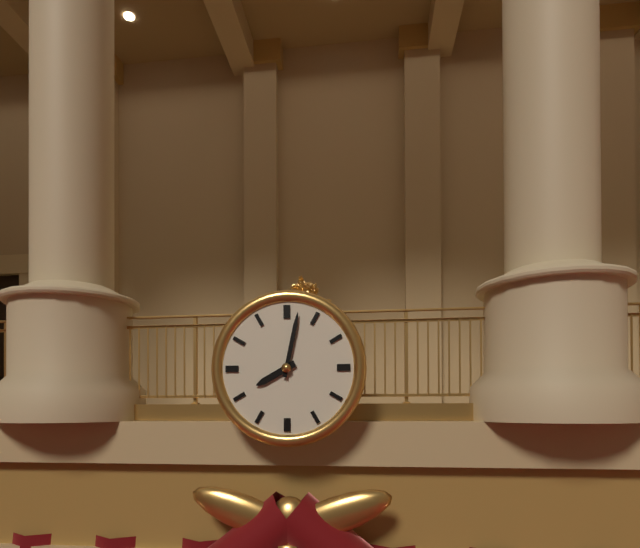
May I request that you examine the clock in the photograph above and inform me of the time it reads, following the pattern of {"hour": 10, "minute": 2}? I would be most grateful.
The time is {"hour": 8, "minute": 2}
